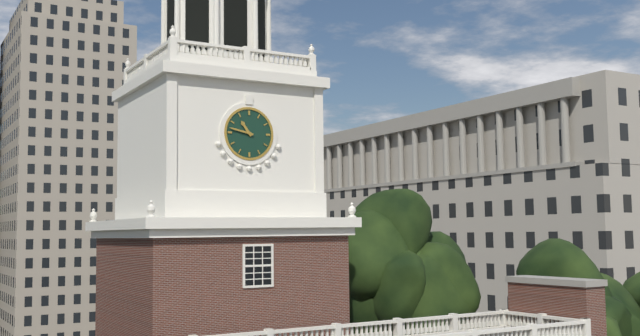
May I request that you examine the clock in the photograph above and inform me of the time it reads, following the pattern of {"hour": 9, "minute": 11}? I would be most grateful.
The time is {"hour": 10, "minute": 47}
